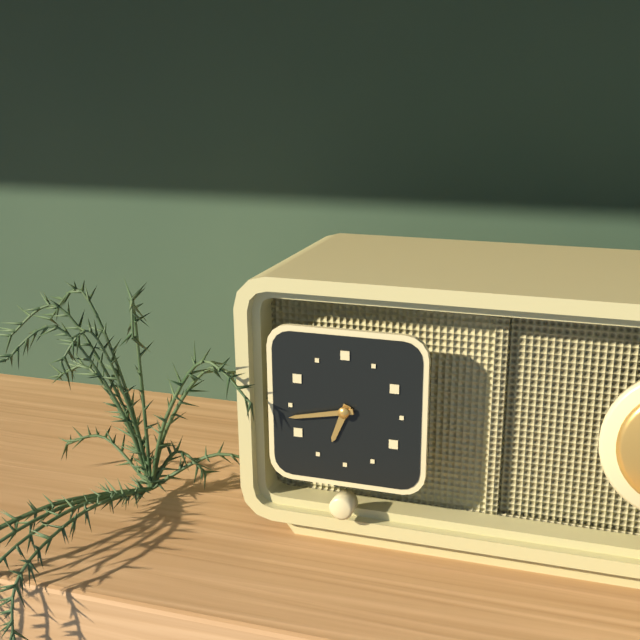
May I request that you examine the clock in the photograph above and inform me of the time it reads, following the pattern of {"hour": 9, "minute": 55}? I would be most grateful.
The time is {"hour": 6, "minute": 43}
